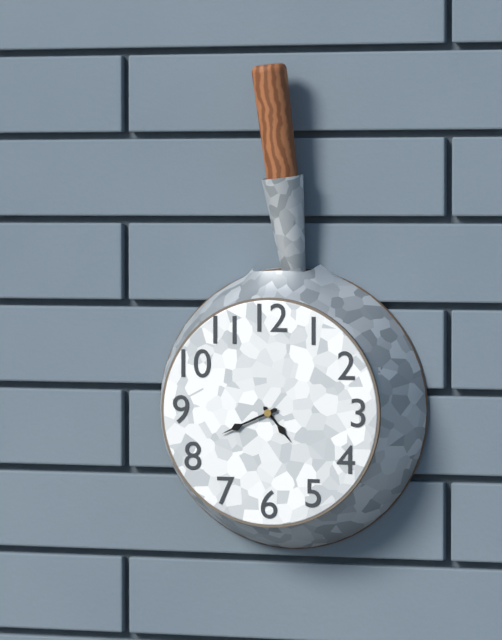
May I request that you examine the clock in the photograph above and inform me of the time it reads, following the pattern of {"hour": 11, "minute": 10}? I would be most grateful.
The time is {"hour": 4, "minute": 41}
